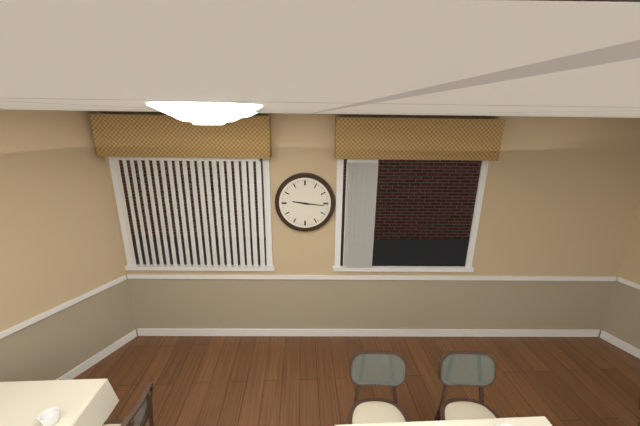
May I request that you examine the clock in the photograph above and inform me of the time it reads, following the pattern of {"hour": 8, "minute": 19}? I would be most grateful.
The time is {"hour": 9, "minute": 16}
